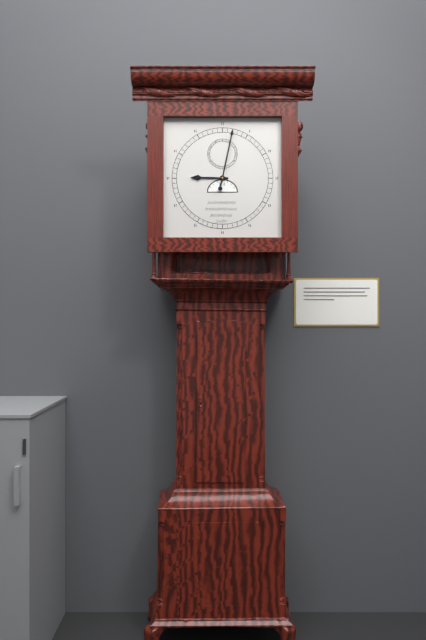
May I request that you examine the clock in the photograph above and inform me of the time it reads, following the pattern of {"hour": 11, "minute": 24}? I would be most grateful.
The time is {"hour": 9, "minute": 2}
